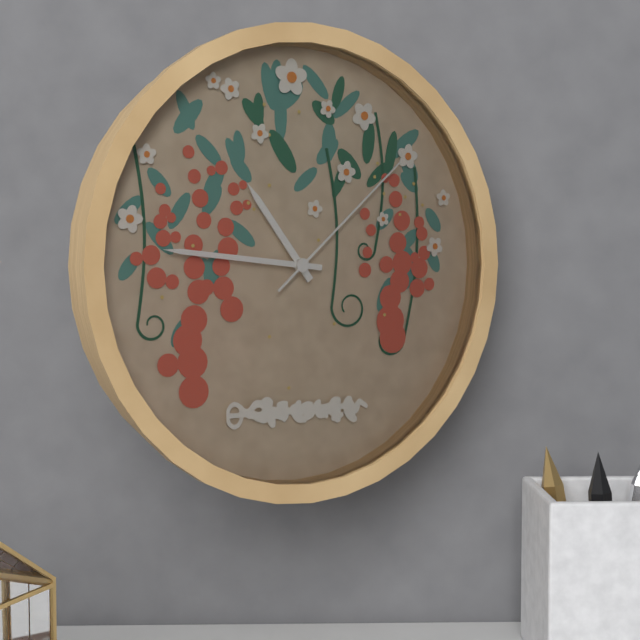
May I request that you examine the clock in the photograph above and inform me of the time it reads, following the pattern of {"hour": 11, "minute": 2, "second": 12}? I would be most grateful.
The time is {"hour": 10, "minute": 46, "second": 8}
